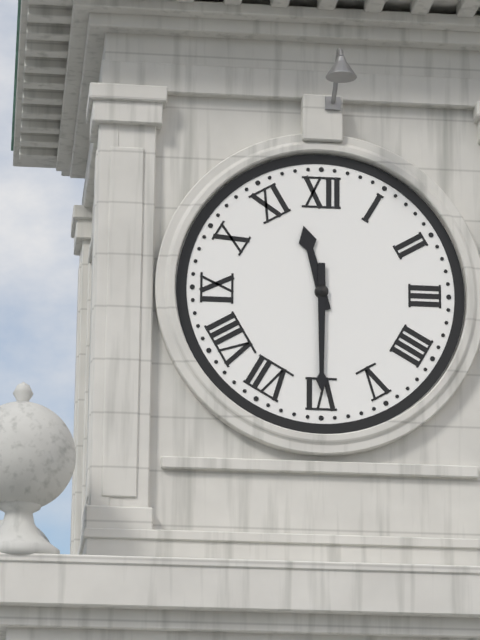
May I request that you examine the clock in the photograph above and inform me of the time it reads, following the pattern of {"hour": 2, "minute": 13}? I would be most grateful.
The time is {"hour": 11, "minute": 30}
